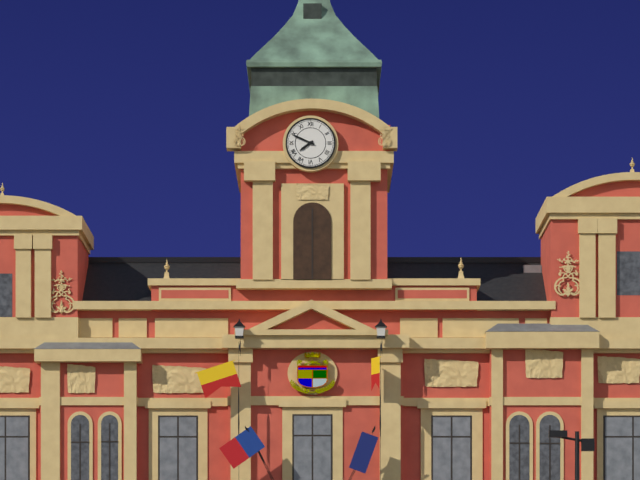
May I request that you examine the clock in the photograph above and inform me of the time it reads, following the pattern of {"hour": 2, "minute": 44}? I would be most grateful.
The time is {"hour": 7, "minute": 49}
